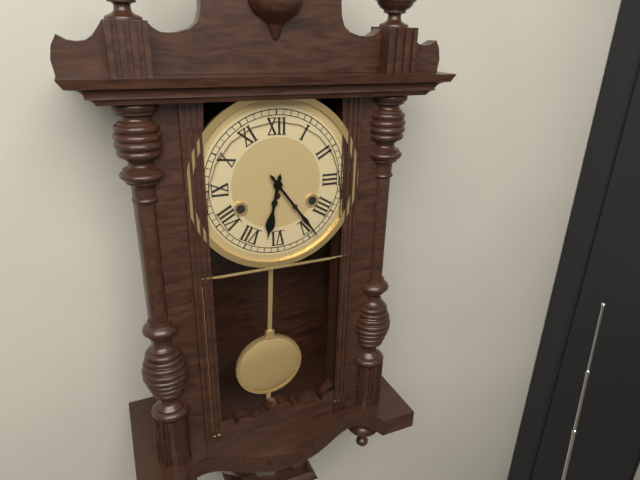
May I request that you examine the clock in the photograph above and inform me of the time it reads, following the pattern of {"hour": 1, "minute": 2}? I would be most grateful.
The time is {"hour": 6, "minute": 24}
